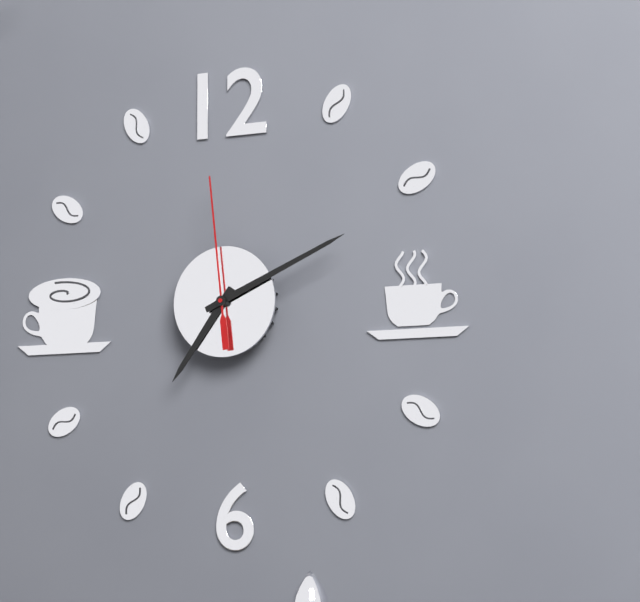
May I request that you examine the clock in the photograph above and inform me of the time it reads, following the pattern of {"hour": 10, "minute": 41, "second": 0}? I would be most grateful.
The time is {"hour": 7, "minute": 11, "second": 59}
